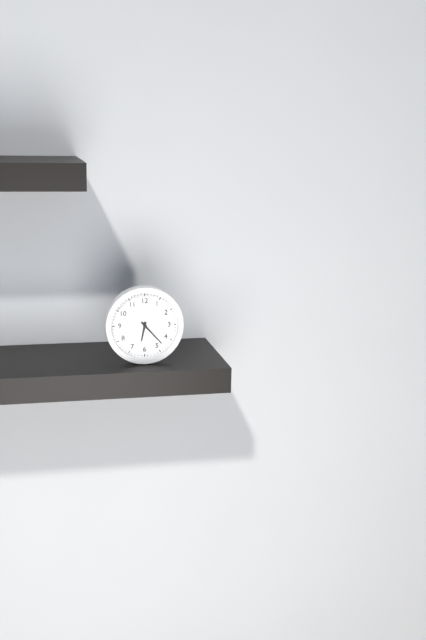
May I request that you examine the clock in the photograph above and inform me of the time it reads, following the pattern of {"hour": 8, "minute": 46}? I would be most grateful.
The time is {"hour": 6, "minute": 23}
